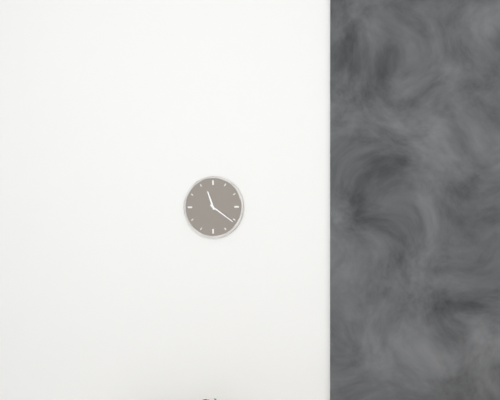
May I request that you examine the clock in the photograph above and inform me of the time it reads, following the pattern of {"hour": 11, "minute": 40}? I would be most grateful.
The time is {"hour": 11, "minute": 21}
